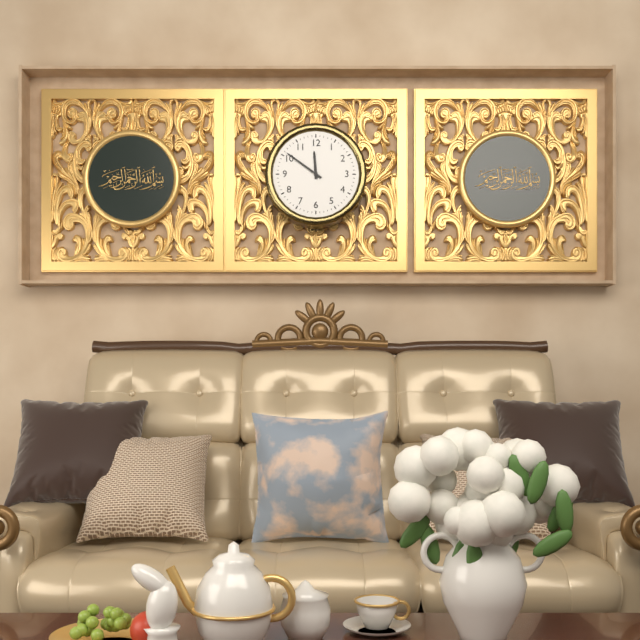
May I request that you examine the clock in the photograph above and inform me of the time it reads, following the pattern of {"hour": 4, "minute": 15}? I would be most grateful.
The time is {"hour": 11, "minute": 51}
